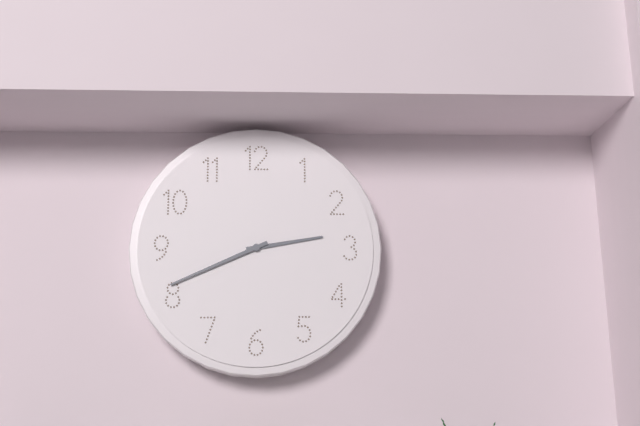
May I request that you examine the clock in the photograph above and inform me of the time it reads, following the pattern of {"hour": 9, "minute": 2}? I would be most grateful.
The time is {"hour": 2, "minute": 41}
